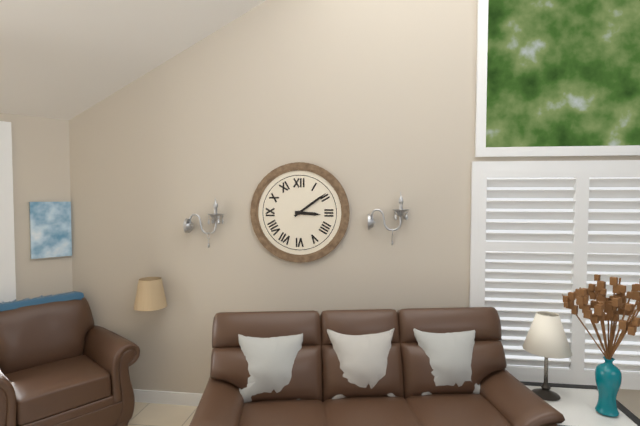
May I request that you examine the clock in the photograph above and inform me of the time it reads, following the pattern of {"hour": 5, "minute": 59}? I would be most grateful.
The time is {"hour": 3, "minute": 9}
